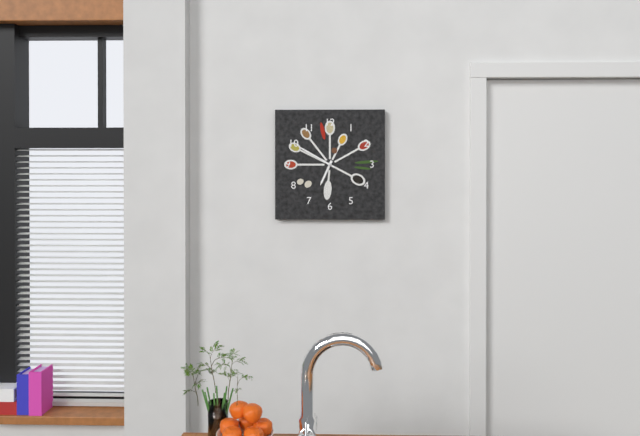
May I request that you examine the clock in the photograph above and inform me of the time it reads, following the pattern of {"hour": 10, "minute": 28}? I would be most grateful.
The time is {"hour": 6, "minute": 50}
